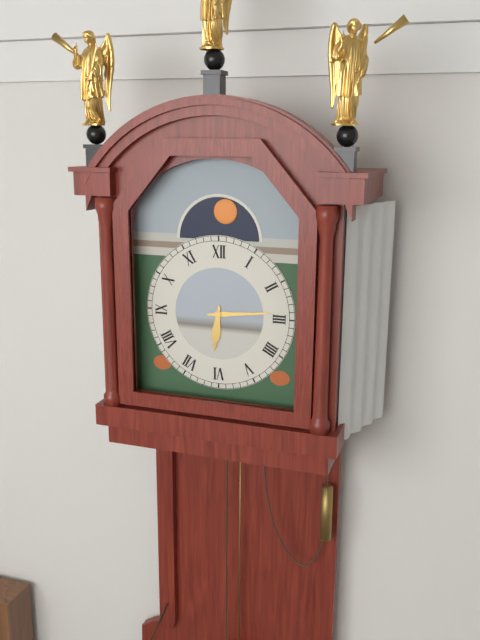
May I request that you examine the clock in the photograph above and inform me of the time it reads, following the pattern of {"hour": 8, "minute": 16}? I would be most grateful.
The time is {"hour": 6, "minute": 14}
